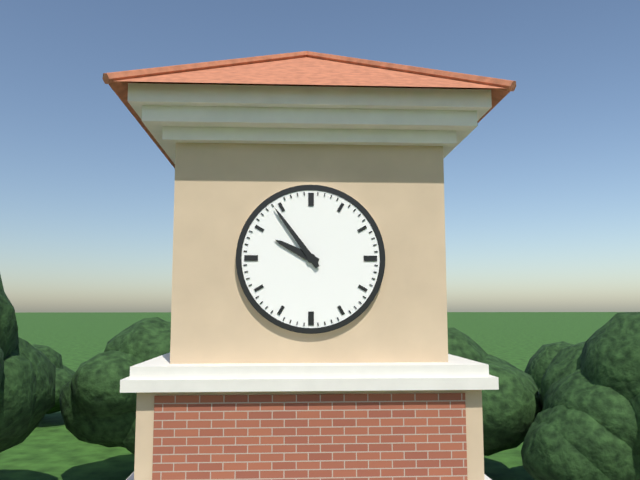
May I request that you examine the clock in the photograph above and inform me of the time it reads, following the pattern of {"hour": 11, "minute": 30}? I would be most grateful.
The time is {"hour": 9, "minute": 54}
